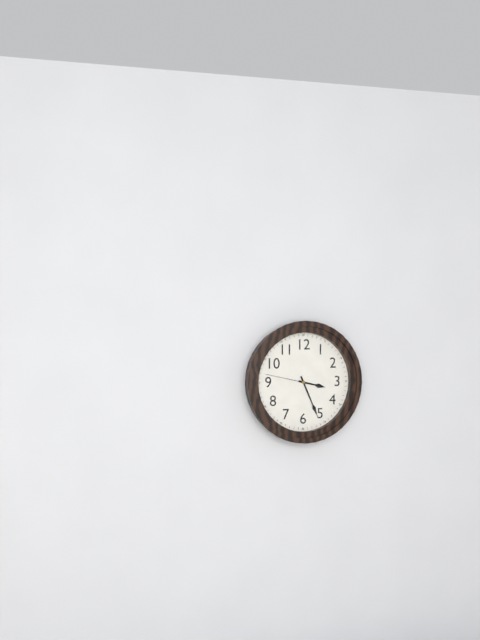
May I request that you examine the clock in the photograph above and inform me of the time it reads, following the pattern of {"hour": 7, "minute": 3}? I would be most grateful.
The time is {"hour": 3, "minute": 26}
